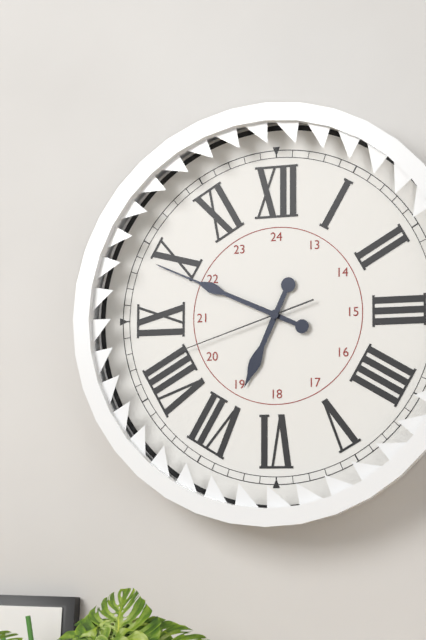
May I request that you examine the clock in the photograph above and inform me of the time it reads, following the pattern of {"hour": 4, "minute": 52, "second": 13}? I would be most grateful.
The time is {"hour": 6, "minute": 49, "second": 42}
